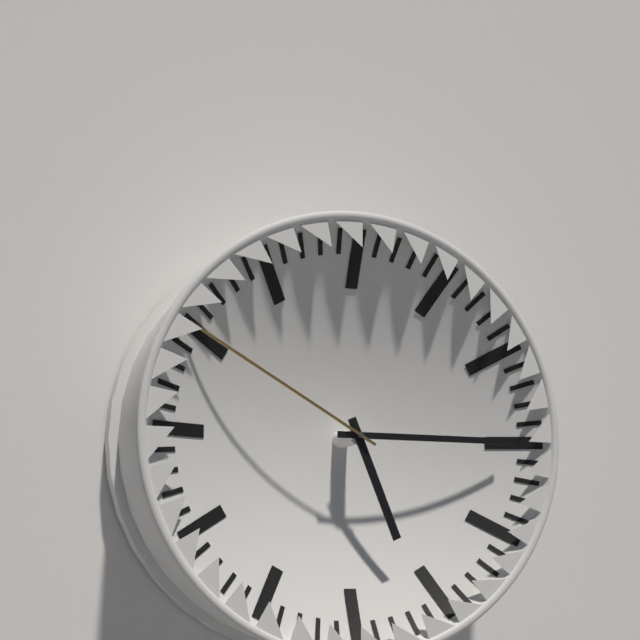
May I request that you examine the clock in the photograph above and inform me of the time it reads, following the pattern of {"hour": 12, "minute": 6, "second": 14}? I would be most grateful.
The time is {"hour": 5, "minute": 15, "second": 50}
